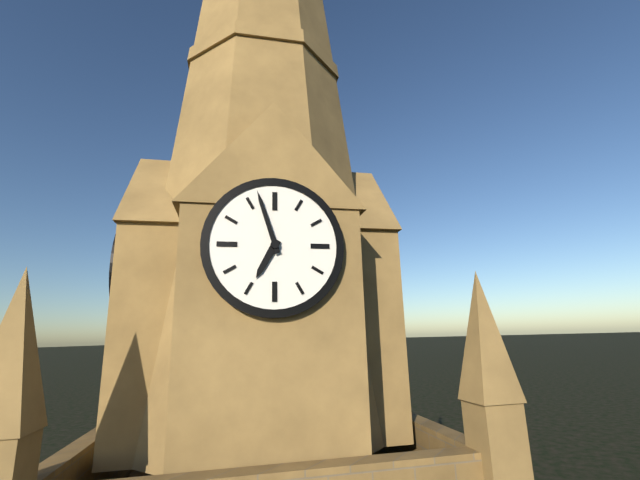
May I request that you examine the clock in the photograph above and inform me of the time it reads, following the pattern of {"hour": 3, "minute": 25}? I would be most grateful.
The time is {"hour": 6, "minute": 57}
